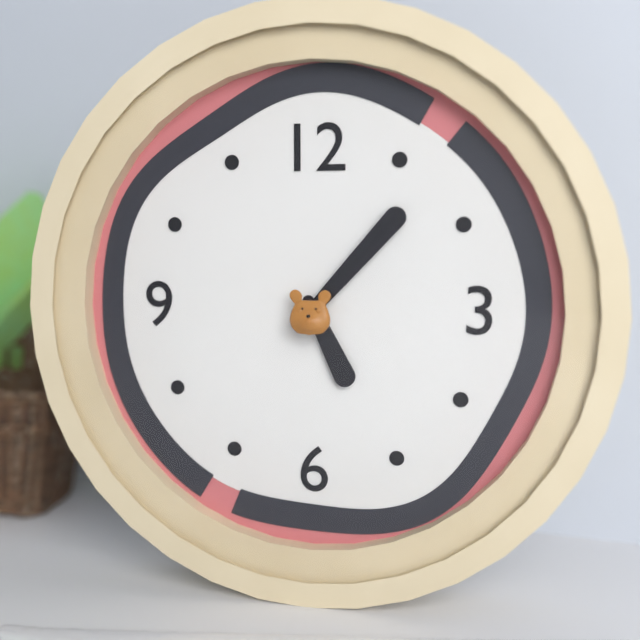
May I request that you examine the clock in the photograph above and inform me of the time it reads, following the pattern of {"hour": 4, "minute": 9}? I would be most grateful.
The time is {"hour": 5, "minute": 7}
